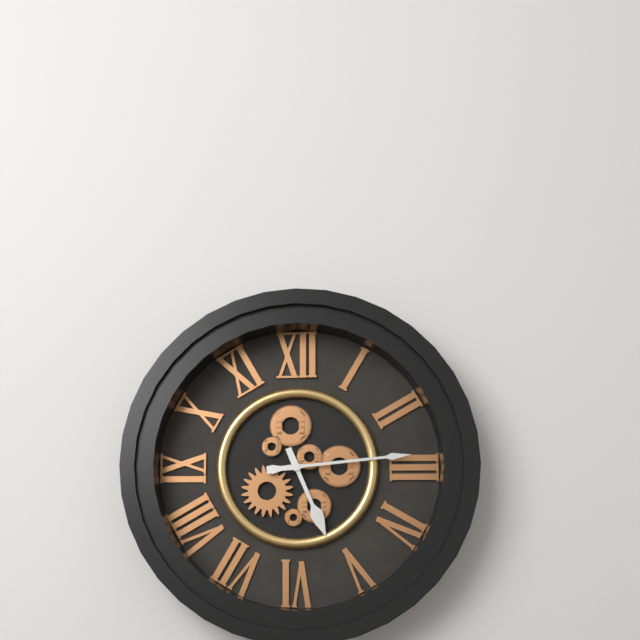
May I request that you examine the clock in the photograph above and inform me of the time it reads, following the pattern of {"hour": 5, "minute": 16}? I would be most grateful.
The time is {"hour": 5, "minute": 14}
